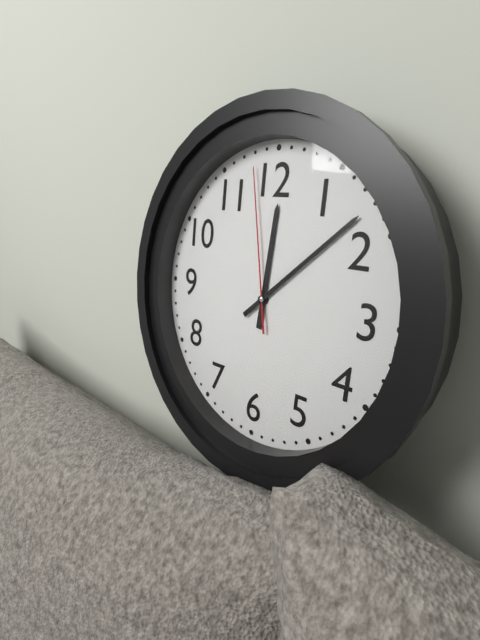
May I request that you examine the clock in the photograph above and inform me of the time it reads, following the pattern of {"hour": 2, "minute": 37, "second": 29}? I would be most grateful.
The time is {"hour": 12, "minute": 8, "second": 58}
